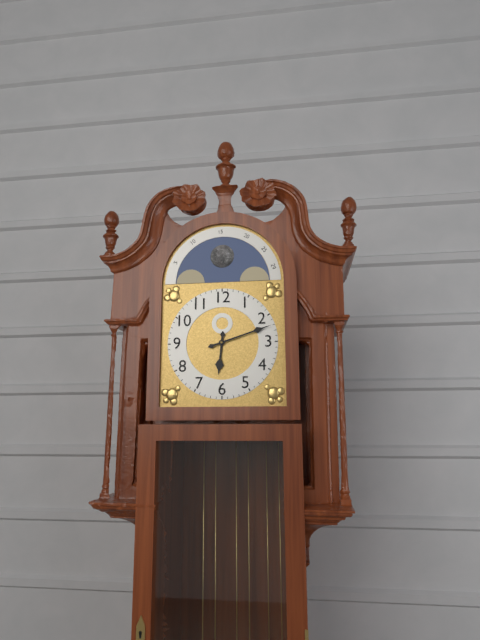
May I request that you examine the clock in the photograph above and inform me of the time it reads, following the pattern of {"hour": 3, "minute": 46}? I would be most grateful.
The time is {"hour": 6, "minute": 12}
